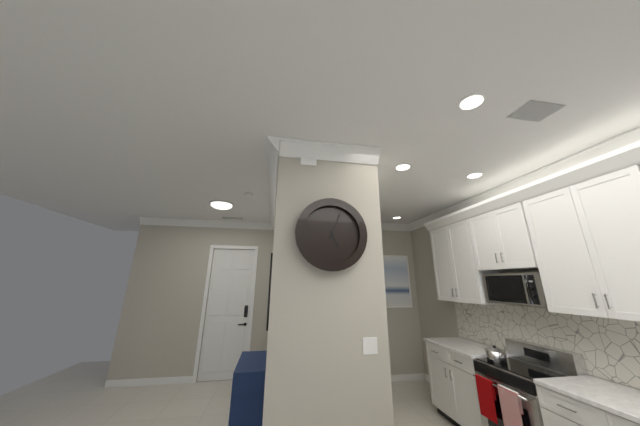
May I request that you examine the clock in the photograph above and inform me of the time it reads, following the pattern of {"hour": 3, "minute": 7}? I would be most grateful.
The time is {"hour": 5, "minute": 4}
